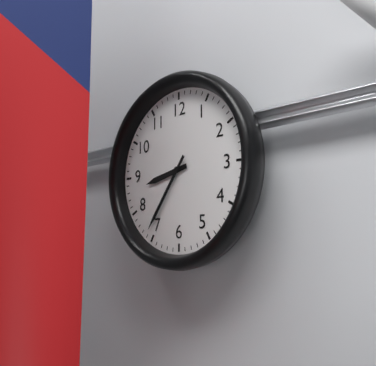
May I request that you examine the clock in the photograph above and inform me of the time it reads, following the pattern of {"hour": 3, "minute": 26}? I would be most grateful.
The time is {"hour": 8, "minute": 36}
